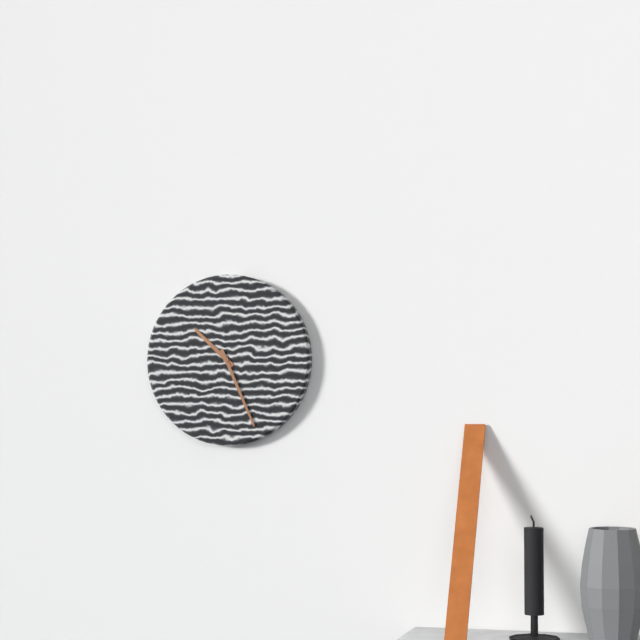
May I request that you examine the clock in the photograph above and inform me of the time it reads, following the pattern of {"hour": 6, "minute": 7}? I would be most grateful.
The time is {"hour": 10, "minute": 26}
